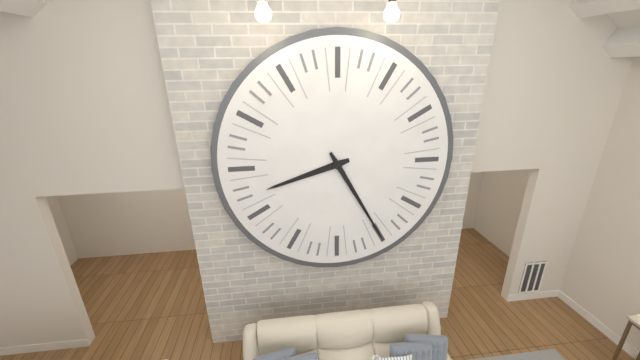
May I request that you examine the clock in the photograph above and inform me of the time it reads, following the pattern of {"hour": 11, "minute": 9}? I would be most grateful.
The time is {"hour": 8, "minute": 25}
